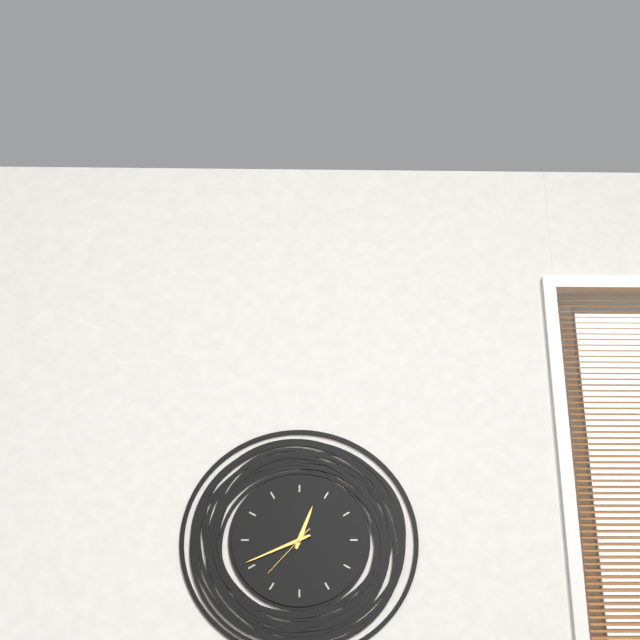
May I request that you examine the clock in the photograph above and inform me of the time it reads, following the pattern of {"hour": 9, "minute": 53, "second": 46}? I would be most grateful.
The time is {"hour": 12, "minute": 41, "second": 37}
